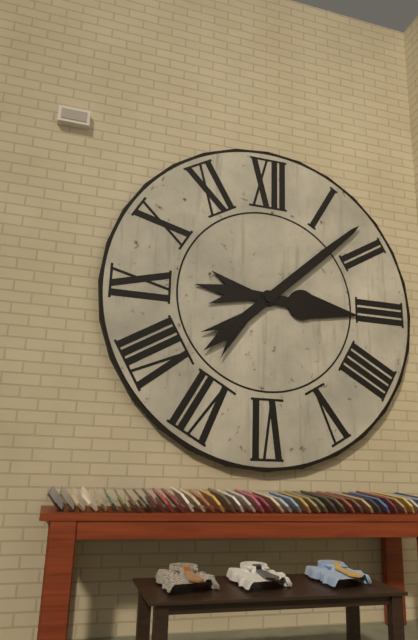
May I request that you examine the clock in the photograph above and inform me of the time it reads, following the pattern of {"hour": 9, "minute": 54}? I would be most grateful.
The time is {"hour": 3, "minute": 8}
